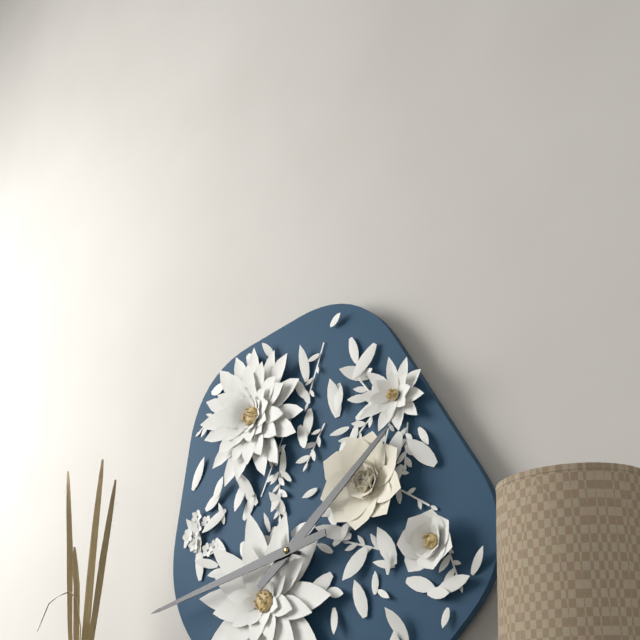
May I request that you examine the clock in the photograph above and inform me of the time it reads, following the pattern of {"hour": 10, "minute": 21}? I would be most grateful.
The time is {"hour": 1, "minute": 43}
